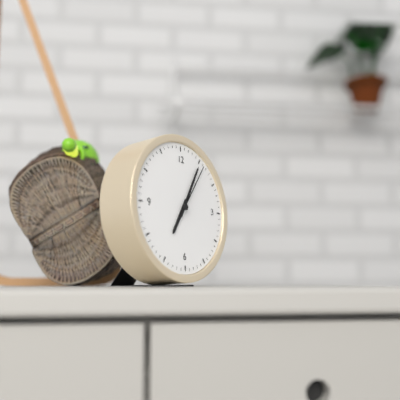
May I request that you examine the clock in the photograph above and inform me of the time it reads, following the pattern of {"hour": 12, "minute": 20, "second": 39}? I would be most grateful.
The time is {"hour": 7, "minute": 5, "second": 6}
